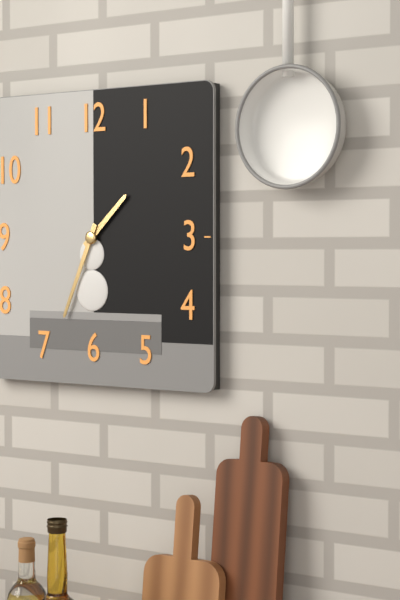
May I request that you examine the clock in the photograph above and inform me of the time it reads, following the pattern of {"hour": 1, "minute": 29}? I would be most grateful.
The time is {"hour": 1, "minute": 34}
